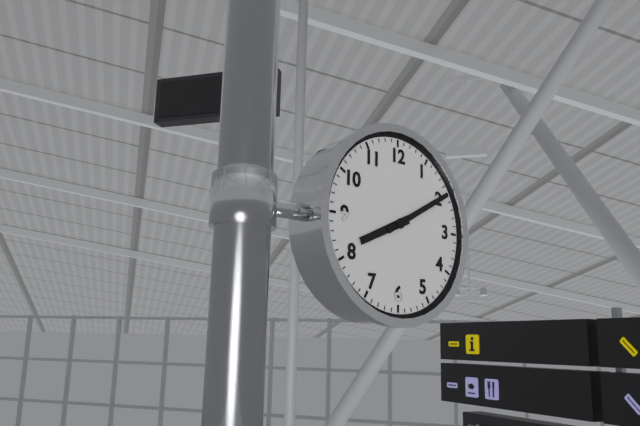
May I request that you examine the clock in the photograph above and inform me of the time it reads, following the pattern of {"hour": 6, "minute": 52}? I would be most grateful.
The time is {"hour": 8, "minute": 10}
